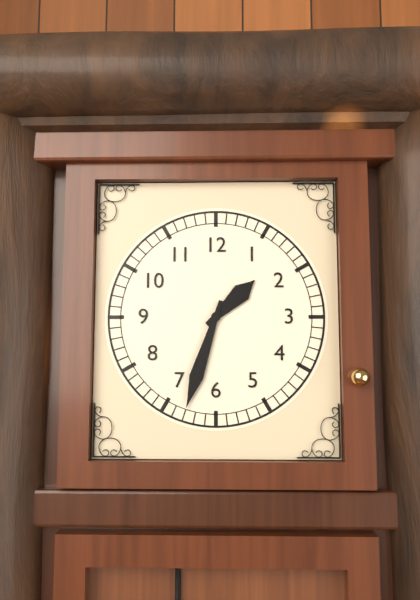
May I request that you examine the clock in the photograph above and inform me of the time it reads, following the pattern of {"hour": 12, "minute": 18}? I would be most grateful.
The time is {"hour": 1, "minute": 33}
